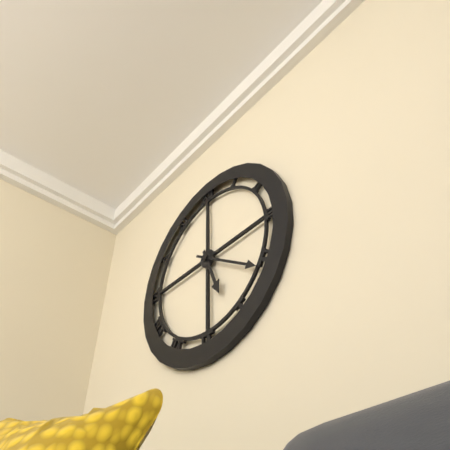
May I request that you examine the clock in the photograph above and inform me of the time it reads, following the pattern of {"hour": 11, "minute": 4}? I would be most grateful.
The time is {"hour": 5, "minute": 21}
